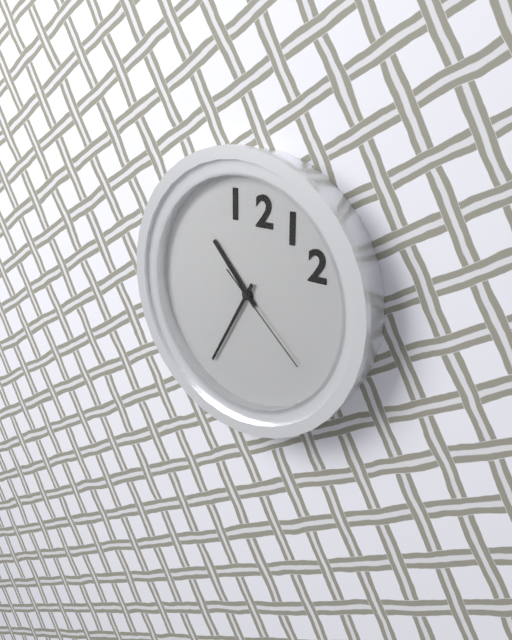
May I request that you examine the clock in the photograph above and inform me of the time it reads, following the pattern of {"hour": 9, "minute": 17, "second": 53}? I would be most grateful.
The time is {"hour": 10, "minute": 35, "second": 22}
